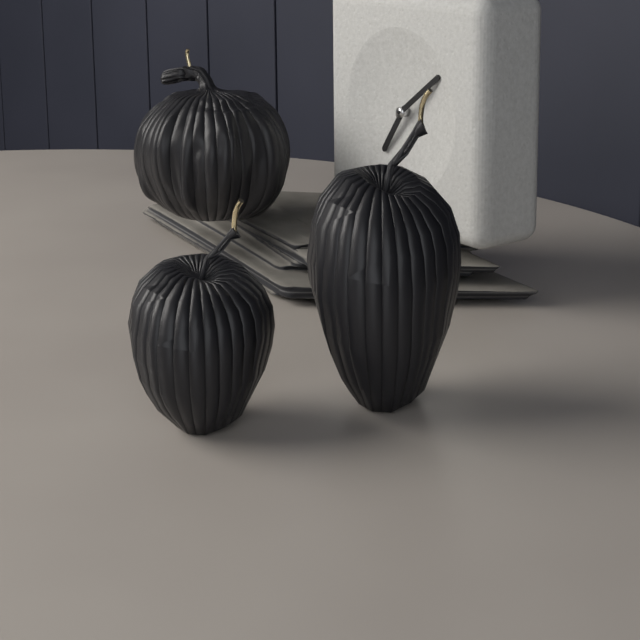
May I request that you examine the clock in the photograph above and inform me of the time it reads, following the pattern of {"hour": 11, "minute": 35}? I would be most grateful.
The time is {"hour": 7, "minute": 9}
